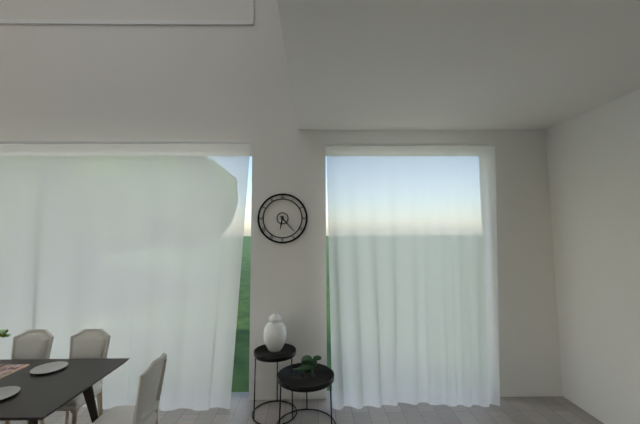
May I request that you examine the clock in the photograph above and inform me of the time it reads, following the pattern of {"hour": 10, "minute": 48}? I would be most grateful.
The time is {"hour": 6, "minute": 23}
